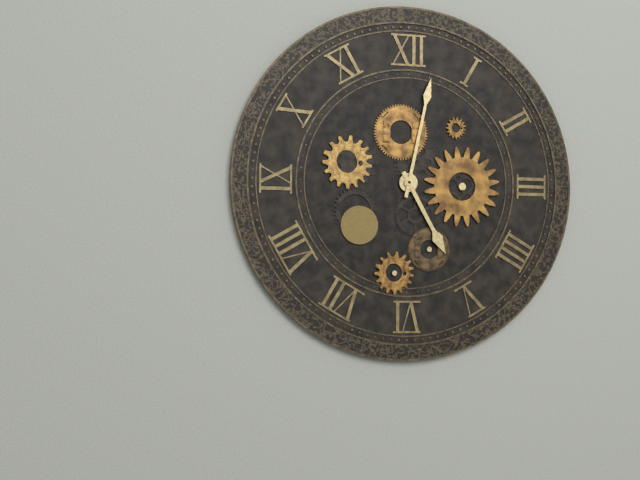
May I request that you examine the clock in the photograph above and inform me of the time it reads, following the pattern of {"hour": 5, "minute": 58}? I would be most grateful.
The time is {"hour": 5, "minute": 2}
